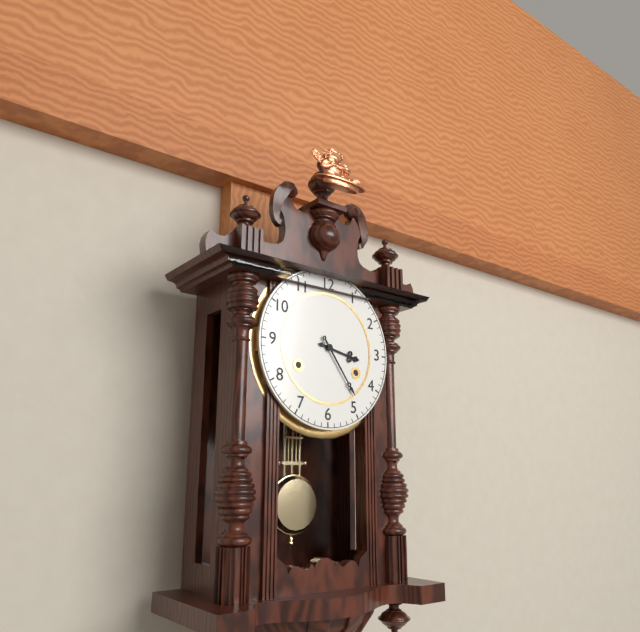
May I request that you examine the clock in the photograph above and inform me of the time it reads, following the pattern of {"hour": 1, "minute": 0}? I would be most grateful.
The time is {"hour": 3, "minute": 24}
